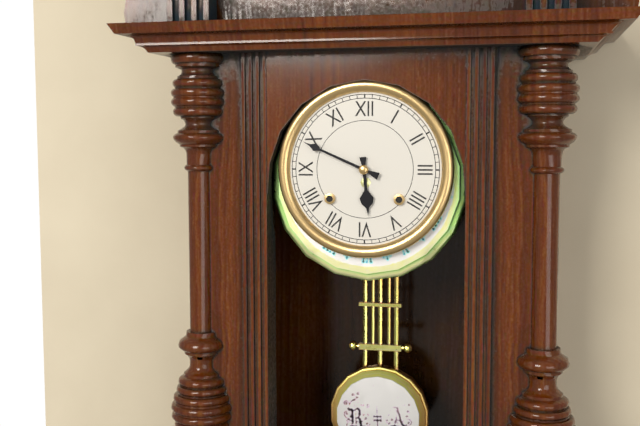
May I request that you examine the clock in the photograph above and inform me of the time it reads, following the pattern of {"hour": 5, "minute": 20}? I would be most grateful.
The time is {"hour": 5, "minute": 49}
